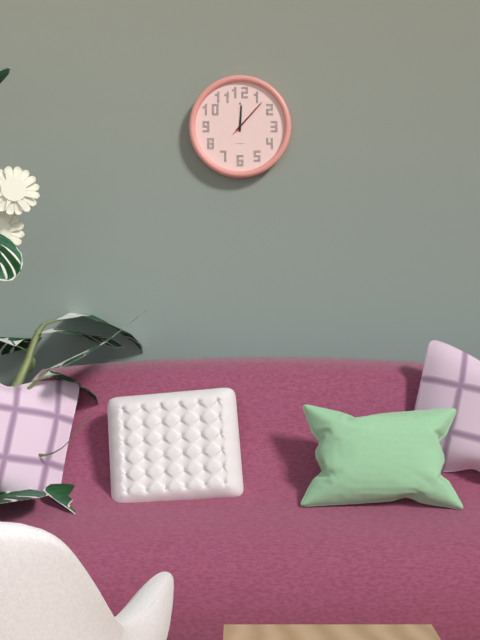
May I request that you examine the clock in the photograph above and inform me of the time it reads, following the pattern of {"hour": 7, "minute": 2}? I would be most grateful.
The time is {"hour": 12, "minute": 7}
